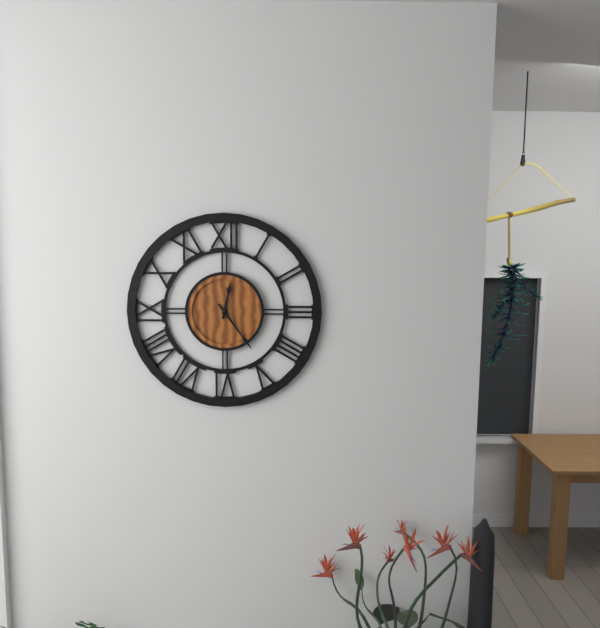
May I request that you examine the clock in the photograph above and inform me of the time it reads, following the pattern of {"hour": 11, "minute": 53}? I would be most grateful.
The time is {"hour": 12, "minute": 24}
